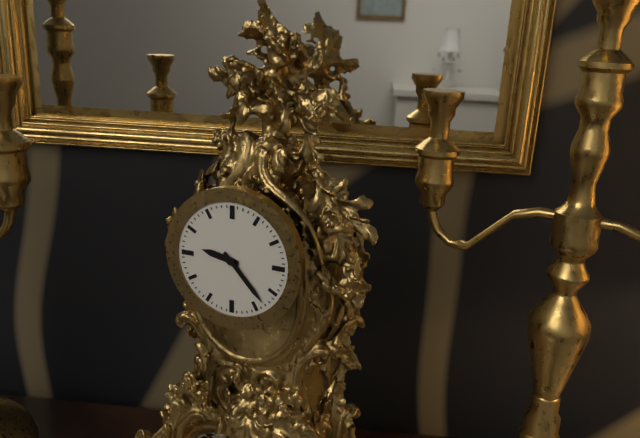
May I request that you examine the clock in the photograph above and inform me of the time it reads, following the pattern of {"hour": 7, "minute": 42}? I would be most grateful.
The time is {"hour": 9, "minute": 23}
